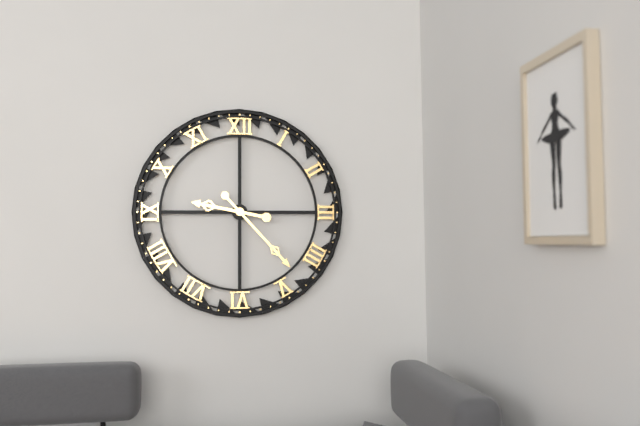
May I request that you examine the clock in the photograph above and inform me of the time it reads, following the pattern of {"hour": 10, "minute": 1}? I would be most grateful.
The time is {"hour": 9, "minute": 23}
